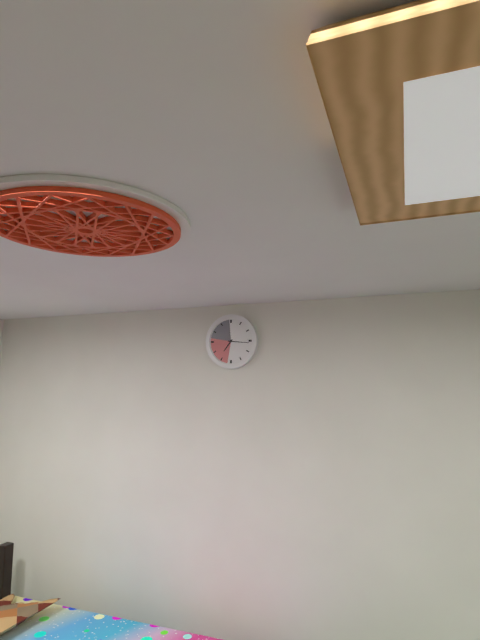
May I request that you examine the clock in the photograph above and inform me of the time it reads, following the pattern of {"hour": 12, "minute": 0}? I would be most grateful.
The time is {"hour": 7, "minute": 16}
